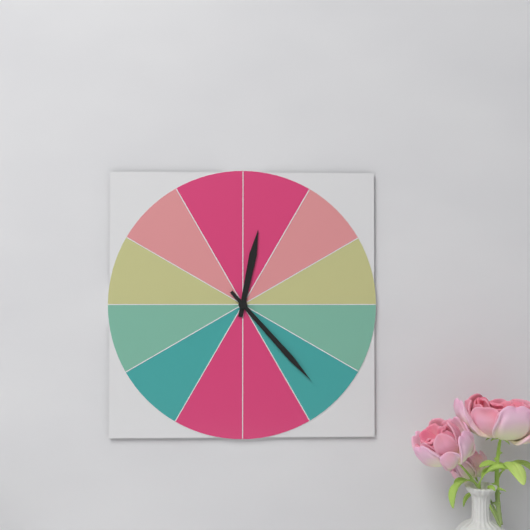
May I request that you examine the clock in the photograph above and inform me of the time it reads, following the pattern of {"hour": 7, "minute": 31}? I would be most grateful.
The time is {"hour": 12, "minute": 23}
